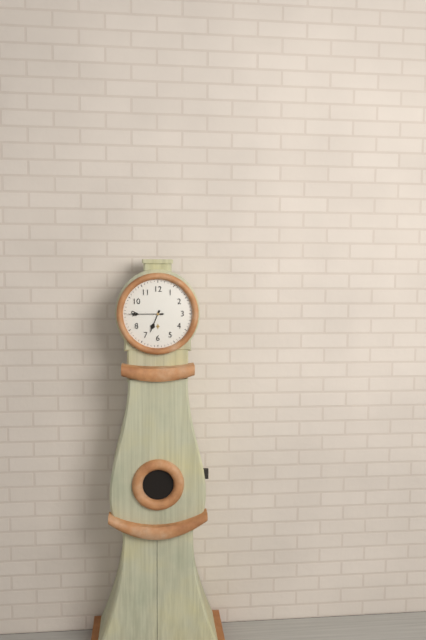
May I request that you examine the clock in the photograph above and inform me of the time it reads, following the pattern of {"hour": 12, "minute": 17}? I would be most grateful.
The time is {"hour": 6, "minute": 45}
